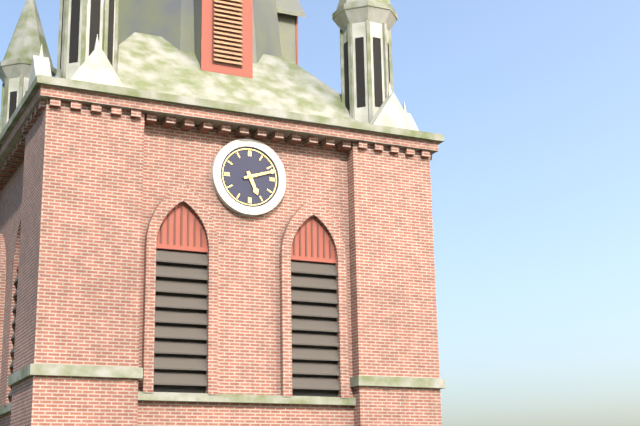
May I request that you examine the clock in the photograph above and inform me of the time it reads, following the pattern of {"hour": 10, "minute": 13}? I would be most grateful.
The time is {"hour": 5, "minute": 12}
